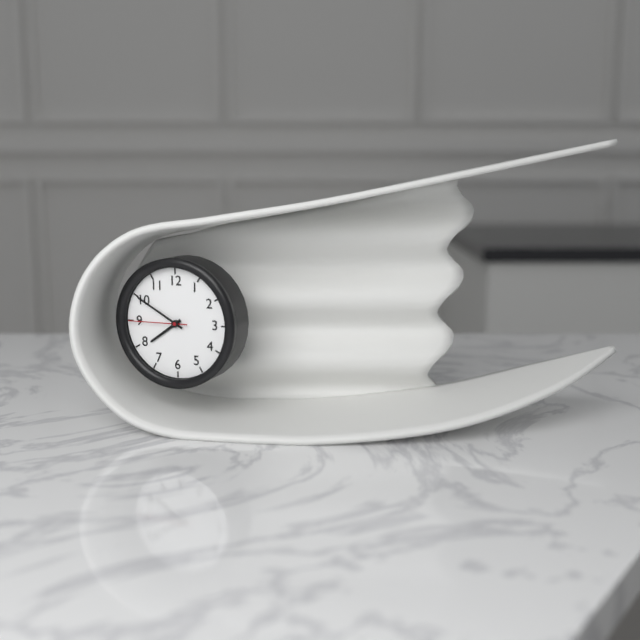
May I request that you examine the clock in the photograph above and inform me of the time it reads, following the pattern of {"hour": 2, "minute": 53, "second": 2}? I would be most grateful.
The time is {"hour": 7, "minute": 50, "second": 45}
